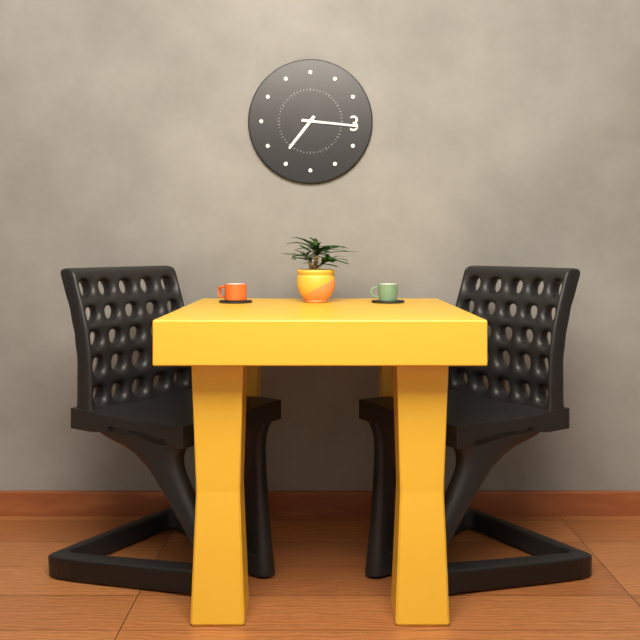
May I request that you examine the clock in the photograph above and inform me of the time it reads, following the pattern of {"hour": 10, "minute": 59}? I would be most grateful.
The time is {"hour": 7, "minute": 16}
